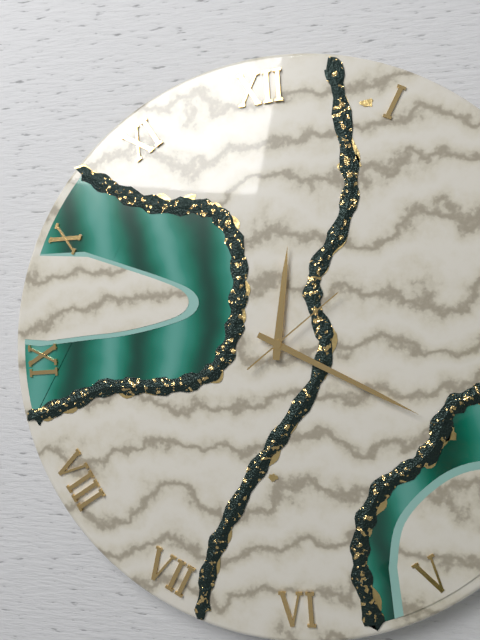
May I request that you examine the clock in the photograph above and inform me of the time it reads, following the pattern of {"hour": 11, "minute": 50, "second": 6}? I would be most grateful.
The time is {"hour": 12, "minute": 20, "second": 9}
